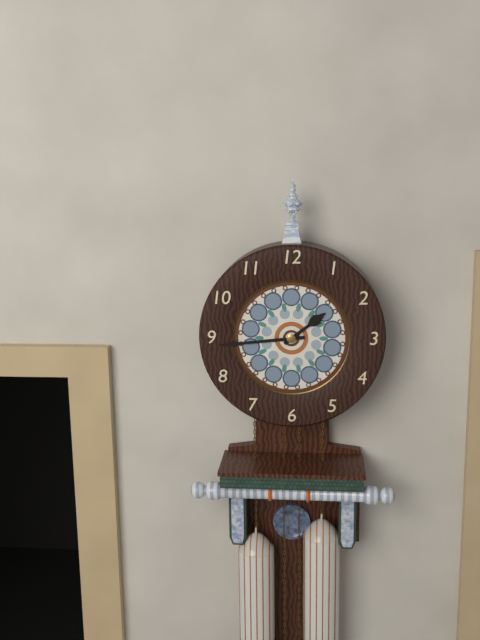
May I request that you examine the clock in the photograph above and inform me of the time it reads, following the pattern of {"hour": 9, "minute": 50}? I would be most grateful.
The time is {"hour": 1, "minute": 44}
